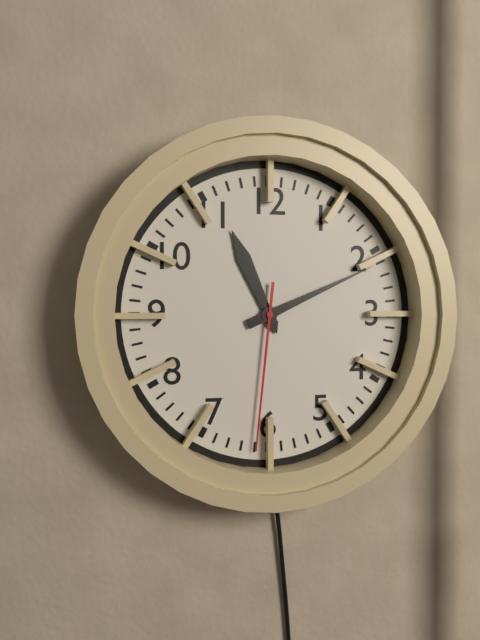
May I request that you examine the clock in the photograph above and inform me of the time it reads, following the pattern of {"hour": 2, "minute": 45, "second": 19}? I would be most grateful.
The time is {"hour": 11, "minute": 11, "second": 31}
